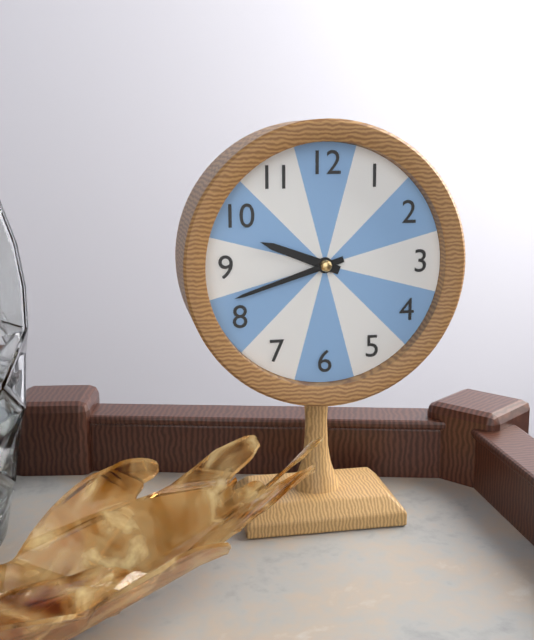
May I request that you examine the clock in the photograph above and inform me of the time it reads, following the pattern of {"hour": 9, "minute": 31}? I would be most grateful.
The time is {"hour": 9, "minute": 42}
